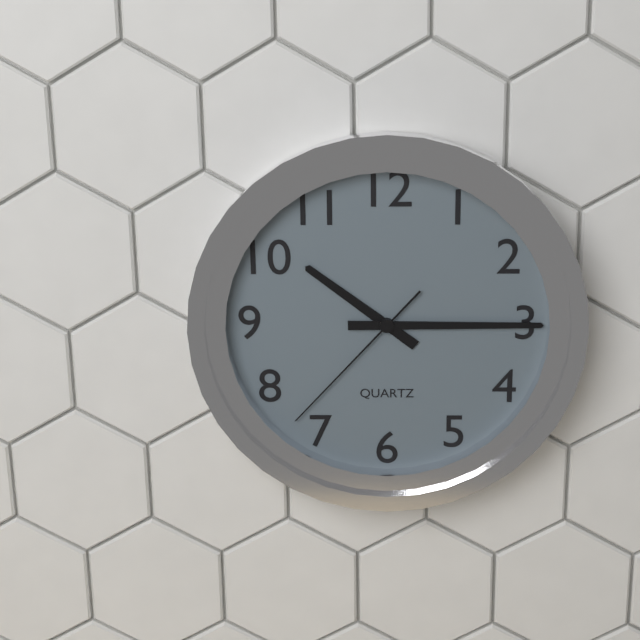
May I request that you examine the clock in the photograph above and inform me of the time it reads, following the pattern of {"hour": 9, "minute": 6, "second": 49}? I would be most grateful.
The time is {"hour": 10, "minute": 15, "second": 37}
